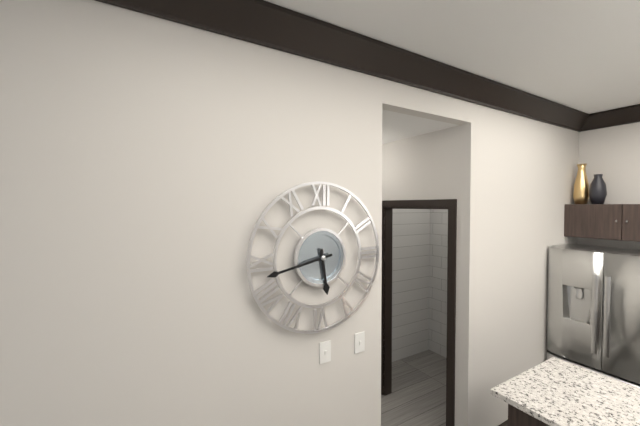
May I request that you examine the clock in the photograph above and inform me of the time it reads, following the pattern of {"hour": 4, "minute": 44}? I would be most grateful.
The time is {"hour": 5, "minute": 43}
